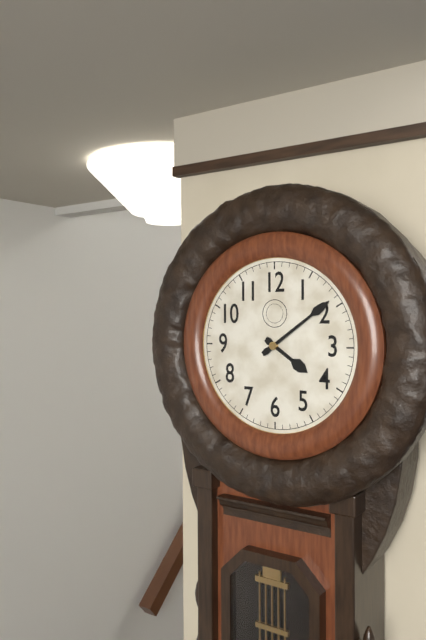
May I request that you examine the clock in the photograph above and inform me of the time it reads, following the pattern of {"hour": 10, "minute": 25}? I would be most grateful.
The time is {"hour": 4, "minute": 9}
